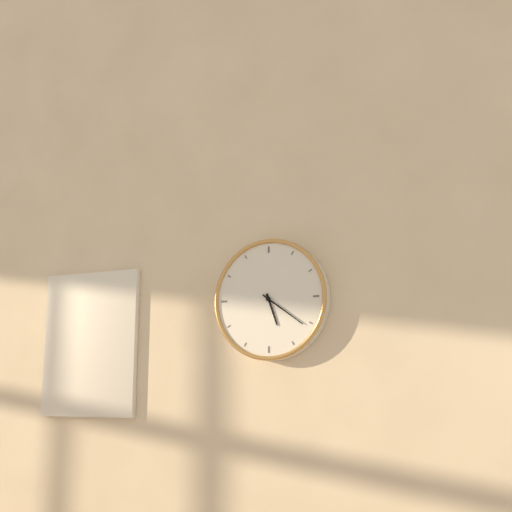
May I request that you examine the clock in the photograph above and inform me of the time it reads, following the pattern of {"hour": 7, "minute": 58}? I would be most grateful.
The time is {"hour": 5, "minute": 21}
